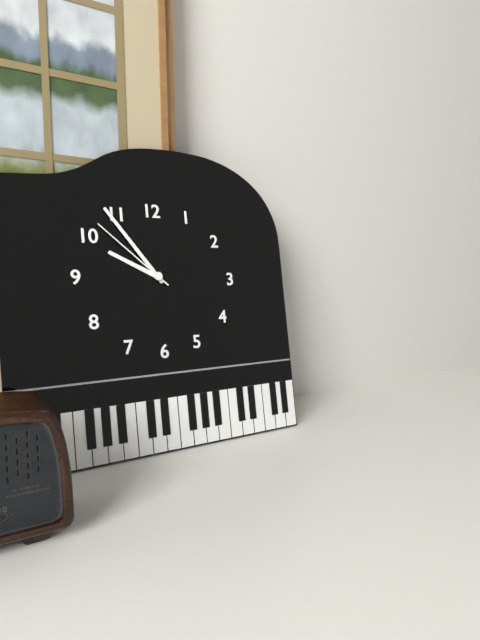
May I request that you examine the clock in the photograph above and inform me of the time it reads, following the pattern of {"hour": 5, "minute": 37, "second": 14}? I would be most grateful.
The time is {"hour": 9, "minute": 54, "second": 52}
